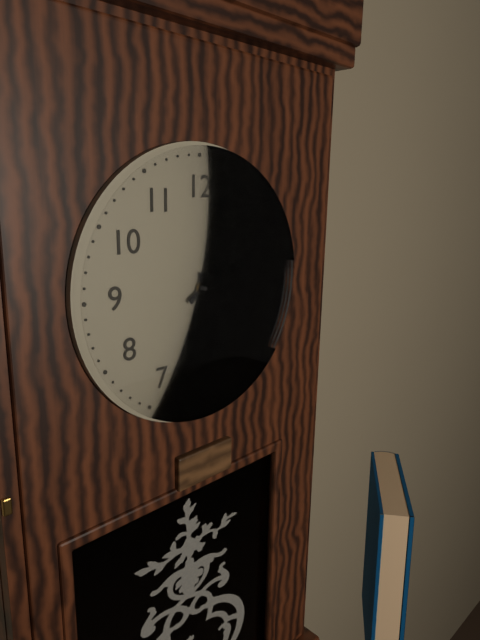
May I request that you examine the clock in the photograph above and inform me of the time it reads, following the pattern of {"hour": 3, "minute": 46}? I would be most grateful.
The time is {"hour": 6, "minute": 9}
